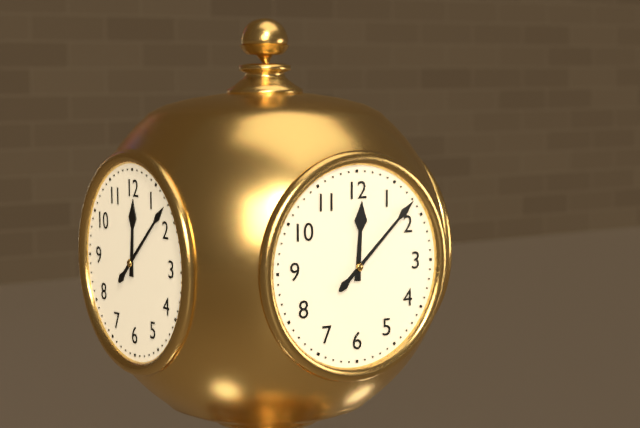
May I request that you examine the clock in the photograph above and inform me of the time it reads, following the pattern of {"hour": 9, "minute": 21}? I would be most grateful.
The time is {"hour": 12, "minute": 8}
